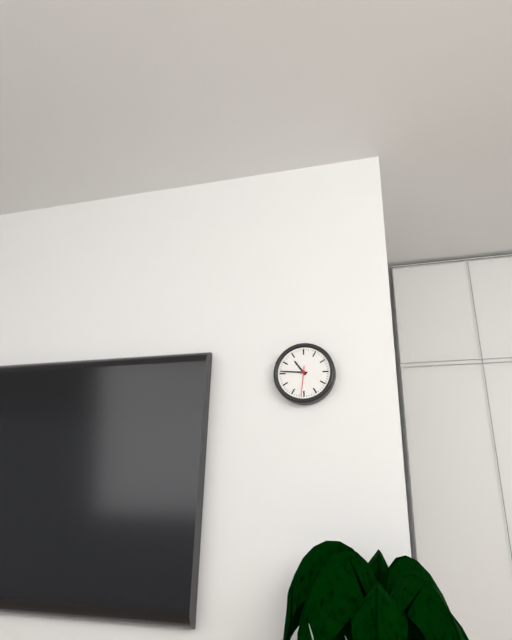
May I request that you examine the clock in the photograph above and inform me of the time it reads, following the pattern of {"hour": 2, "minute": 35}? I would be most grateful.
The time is {"hour": 10, "minute": 46}
